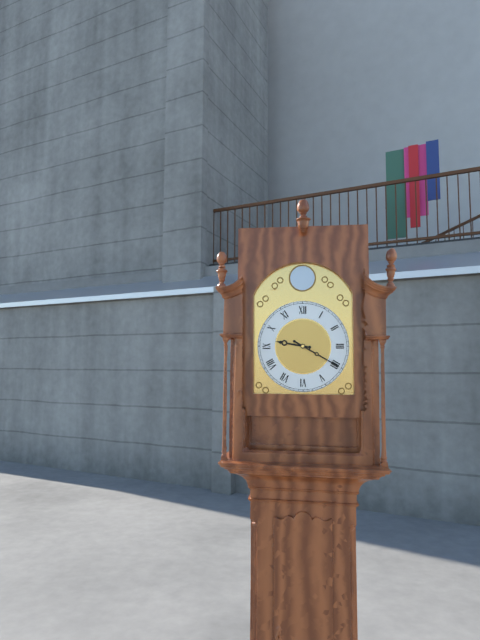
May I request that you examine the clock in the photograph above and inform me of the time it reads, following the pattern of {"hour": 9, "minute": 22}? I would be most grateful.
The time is {"hour": 9, "minute": 20}
